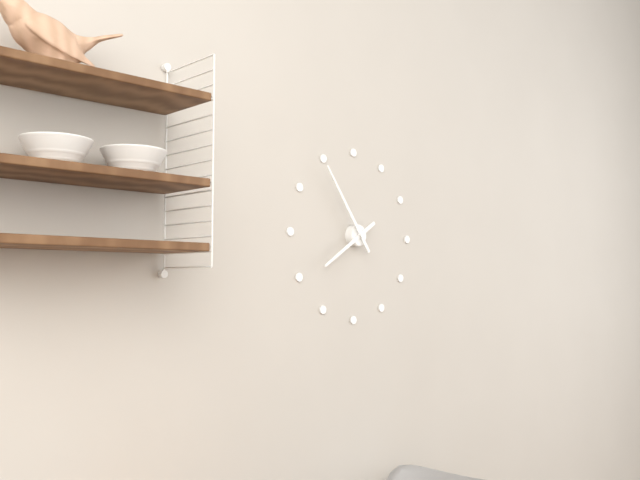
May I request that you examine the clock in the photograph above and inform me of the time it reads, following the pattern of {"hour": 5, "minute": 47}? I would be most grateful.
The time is {"hour": 7, "minute": 54}
